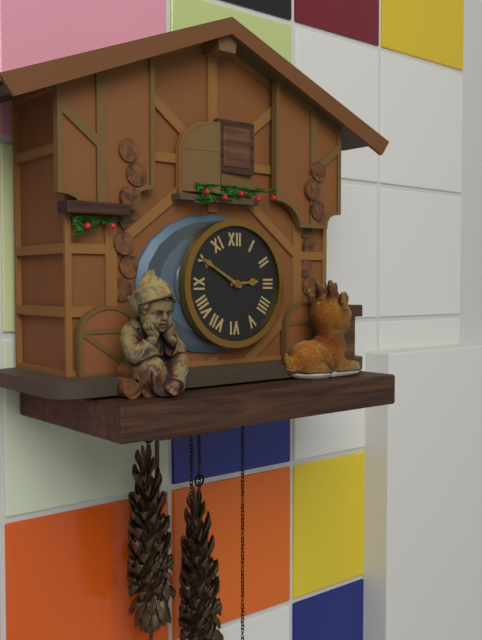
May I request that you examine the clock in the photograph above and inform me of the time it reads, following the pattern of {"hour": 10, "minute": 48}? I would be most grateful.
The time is {"hour": 2, "minute": 50}
